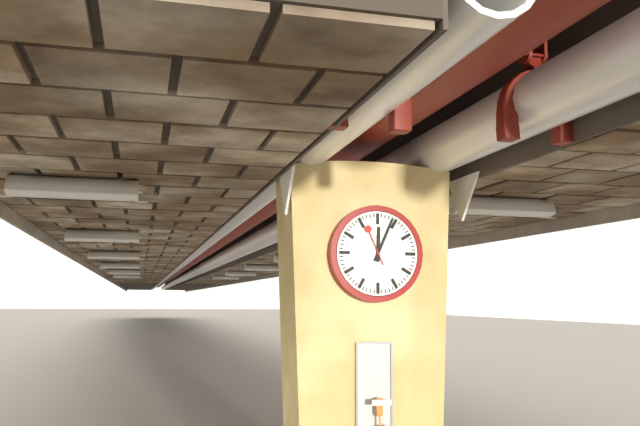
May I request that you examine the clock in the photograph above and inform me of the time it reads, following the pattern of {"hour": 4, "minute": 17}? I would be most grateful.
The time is {"hour": 12, "minute": 4}
